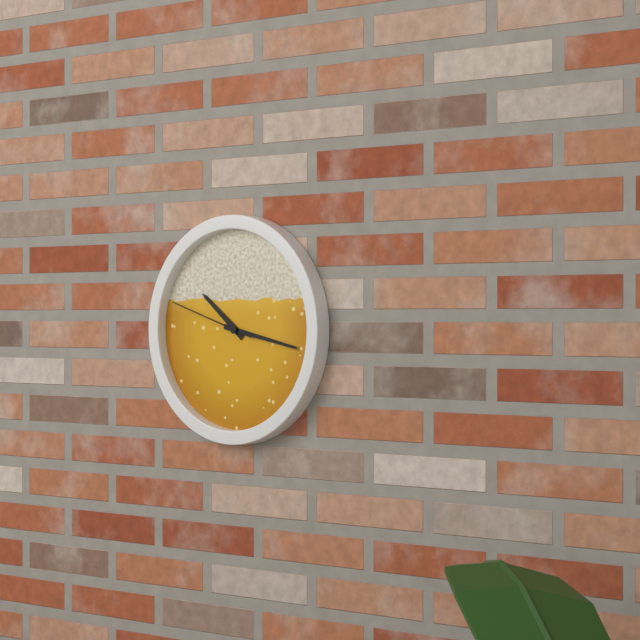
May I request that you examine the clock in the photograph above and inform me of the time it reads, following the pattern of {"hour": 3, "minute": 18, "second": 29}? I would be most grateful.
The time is {"hour": 10, "minute": 17, "second": 48}
